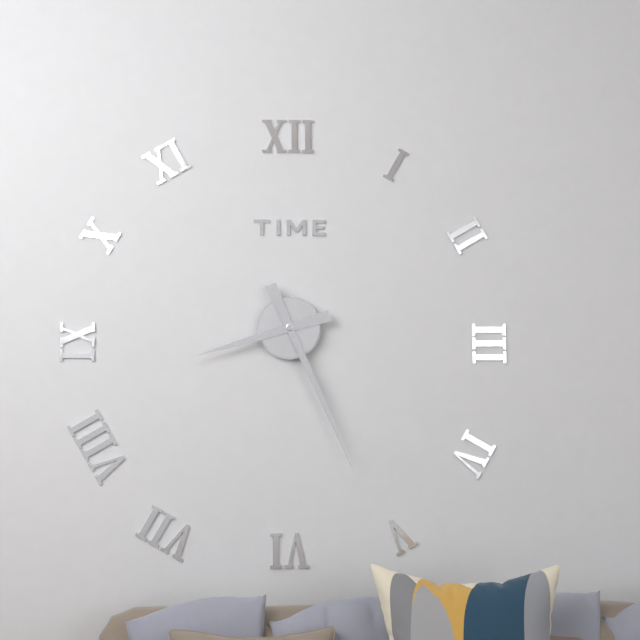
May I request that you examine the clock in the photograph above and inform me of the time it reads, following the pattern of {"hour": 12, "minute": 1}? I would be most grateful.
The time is {"hour": 8, "minute": 26}
